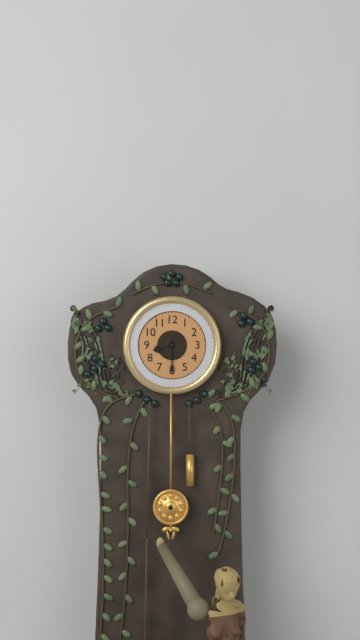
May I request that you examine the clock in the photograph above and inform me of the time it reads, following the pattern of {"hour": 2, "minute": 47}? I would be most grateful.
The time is {"hour": 8, "minute": 30}
